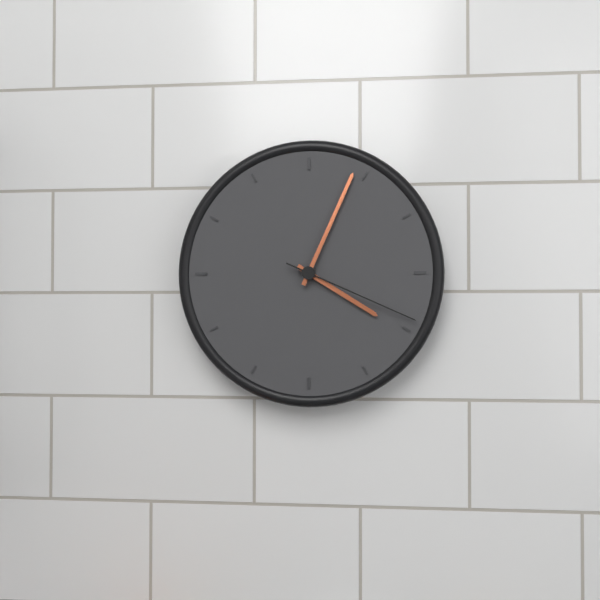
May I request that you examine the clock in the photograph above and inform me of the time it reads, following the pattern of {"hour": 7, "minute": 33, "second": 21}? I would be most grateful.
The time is {"hour": 4, "minute": 4, "second": 19}
